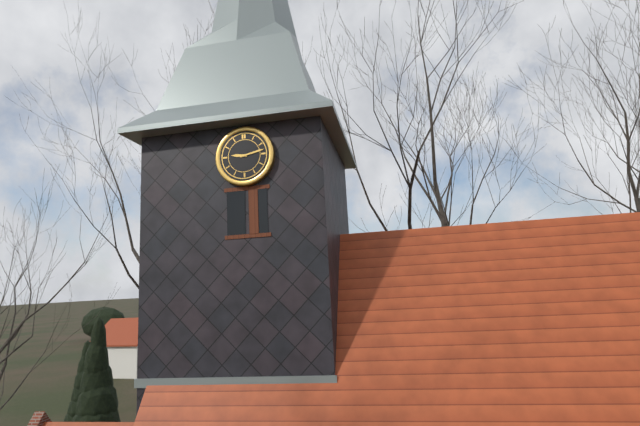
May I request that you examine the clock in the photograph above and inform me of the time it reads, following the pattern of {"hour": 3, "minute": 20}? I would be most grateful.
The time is {"hour": 9, "minute": 13}
